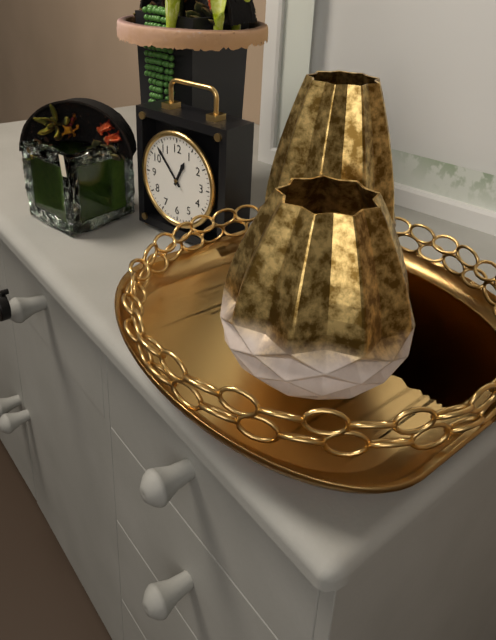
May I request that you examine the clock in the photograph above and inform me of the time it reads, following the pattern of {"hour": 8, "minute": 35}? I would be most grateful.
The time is {"hour": 12, "minute": 53}
